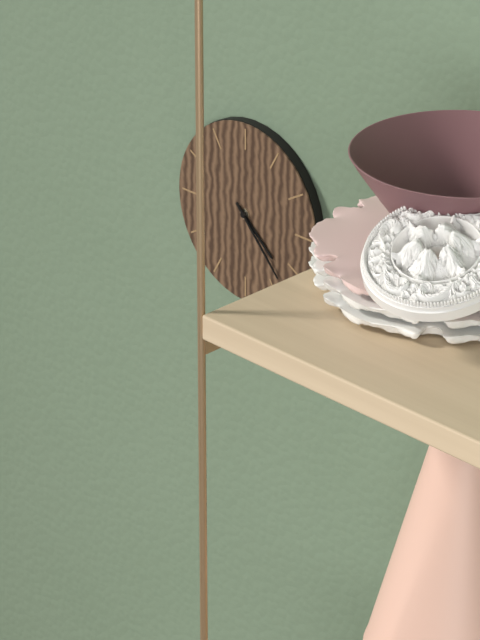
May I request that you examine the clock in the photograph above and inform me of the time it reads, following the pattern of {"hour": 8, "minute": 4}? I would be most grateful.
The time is {"hour": 4, "minute": 23}
